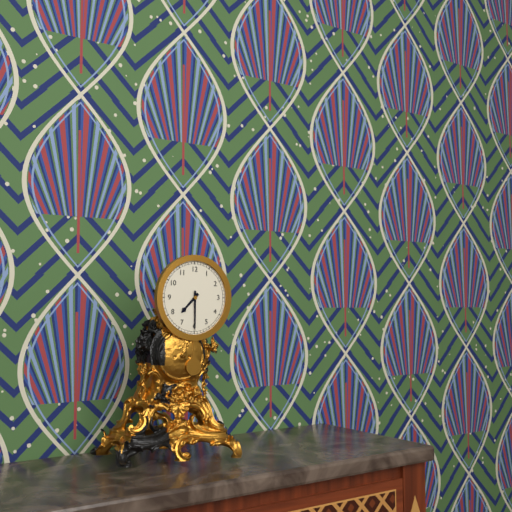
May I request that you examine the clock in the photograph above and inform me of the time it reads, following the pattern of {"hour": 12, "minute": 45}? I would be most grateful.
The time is {"hour": 7, "minute": 30}
